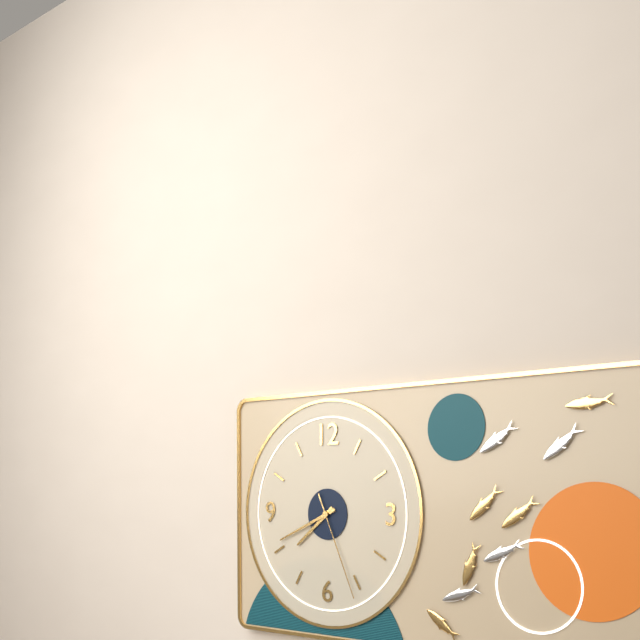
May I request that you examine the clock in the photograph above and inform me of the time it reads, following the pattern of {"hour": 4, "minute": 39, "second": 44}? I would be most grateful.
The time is {"hour": 7, "minute": 41, "second": 26}
